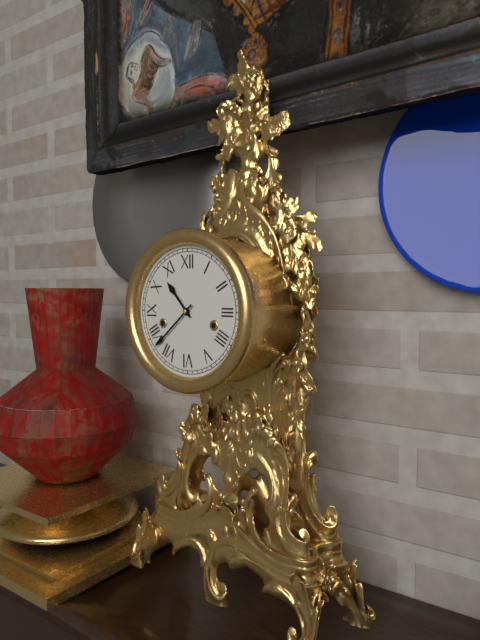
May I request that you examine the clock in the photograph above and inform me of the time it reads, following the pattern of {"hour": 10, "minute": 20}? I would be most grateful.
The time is {"hour": 10, "minute": 38}
